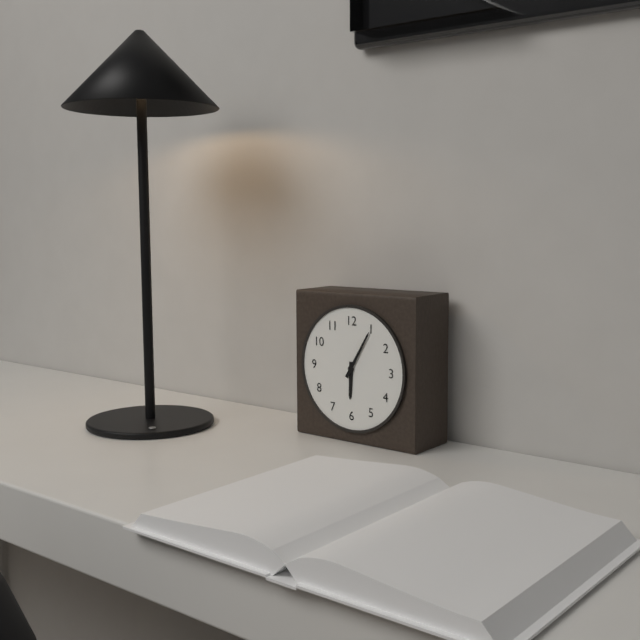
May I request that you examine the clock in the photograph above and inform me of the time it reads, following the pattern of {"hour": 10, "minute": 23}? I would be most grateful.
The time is {"hour": 6, "minute": 5}
